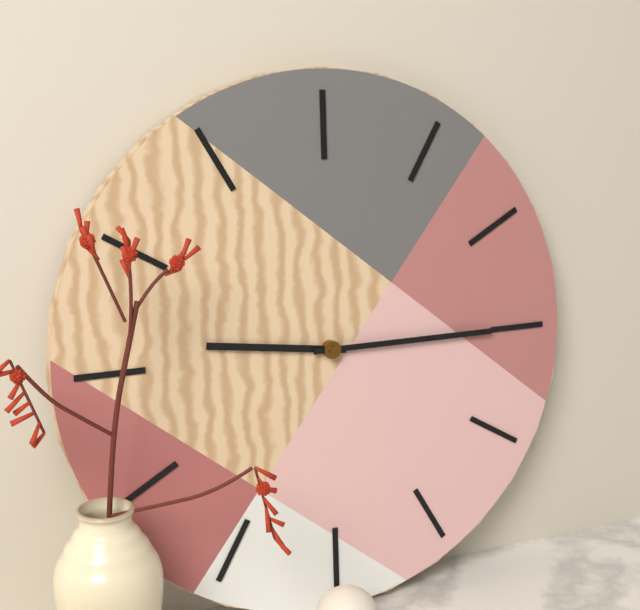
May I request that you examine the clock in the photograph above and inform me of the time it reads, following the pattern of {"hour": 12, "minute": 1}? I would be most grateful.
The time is {"hour": 9, "minute": 15}
